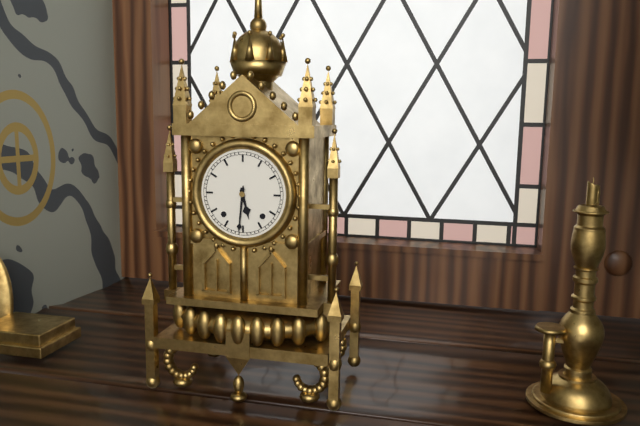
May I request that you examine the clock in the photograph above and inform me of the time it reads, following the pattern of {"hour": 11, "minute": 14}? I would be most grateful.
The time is {"hour": 5, "minute": 31}
